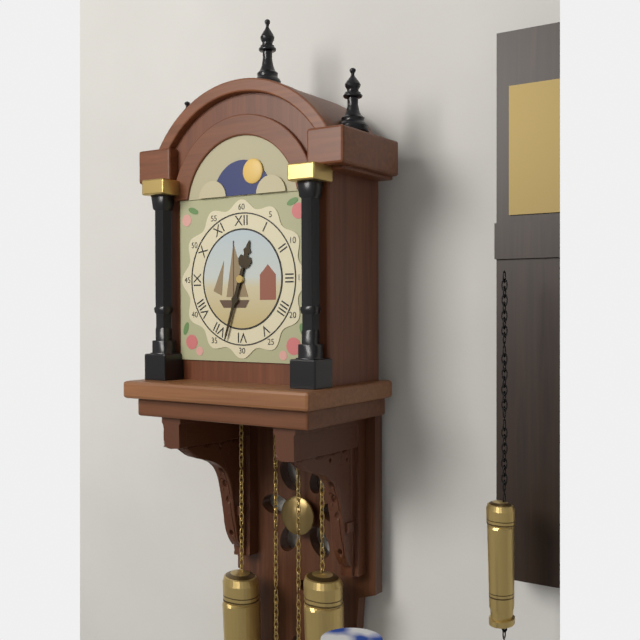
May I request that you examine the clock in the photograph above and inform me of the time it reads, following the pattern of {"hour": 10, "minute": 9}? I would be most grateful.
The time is {"hour": 12, "minute": 33}
